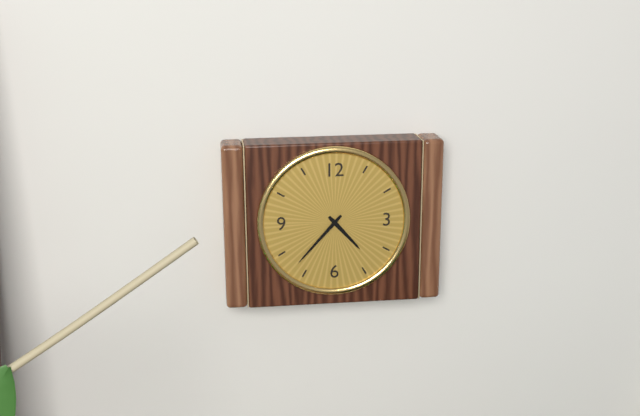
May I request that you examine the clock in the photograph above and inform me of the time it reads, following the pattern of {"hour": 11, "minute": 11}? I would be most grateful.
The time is {"hour": 4, "minute": 37}
